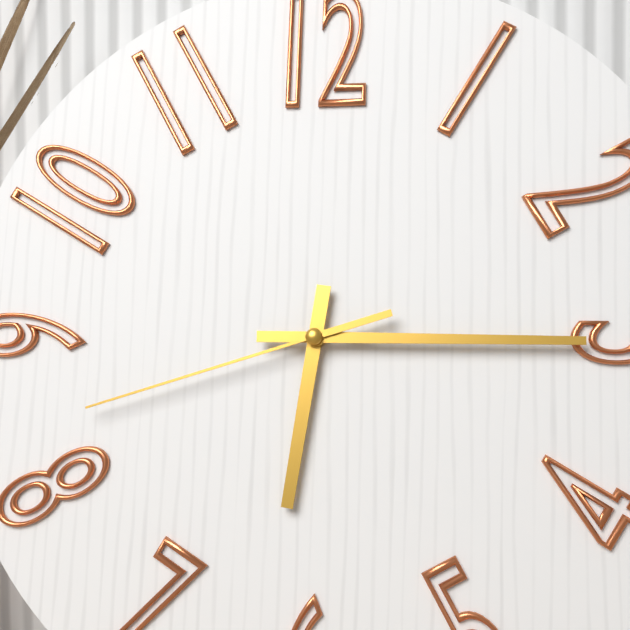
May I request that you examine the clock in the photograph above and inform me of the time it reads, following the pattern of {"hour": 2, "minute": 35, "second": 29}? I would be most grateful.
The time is {"hour": 6, "minute": 15, "second": 42}
